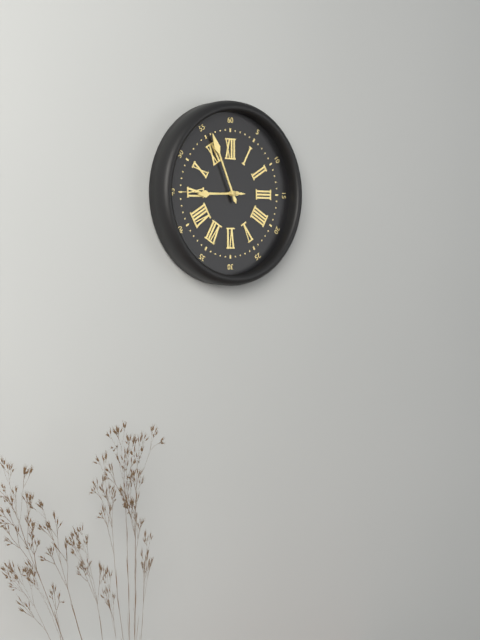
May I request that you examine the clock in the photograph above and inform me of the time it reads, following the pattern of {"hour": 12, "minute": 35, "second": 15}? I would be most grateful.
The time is {"hour": 8, "minute": 56, "second": 45}
